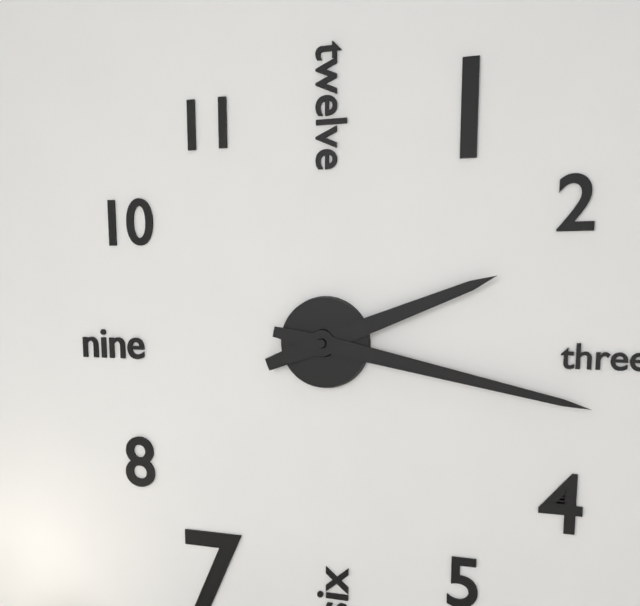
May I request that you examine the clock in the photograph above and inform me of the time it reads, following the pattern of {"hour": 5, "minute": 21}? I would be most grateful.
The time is {"hour": 2, "minute": 17}
